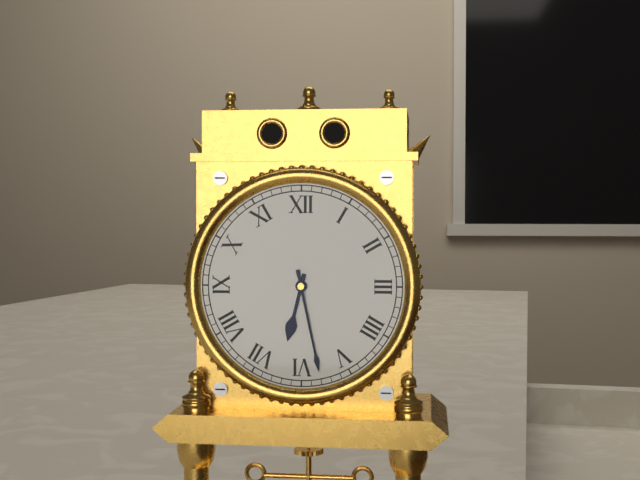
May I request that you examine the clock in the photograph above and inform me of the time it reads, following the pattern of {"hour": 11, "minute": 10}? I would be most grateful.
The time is {"hour": 6, "minute": 28}
